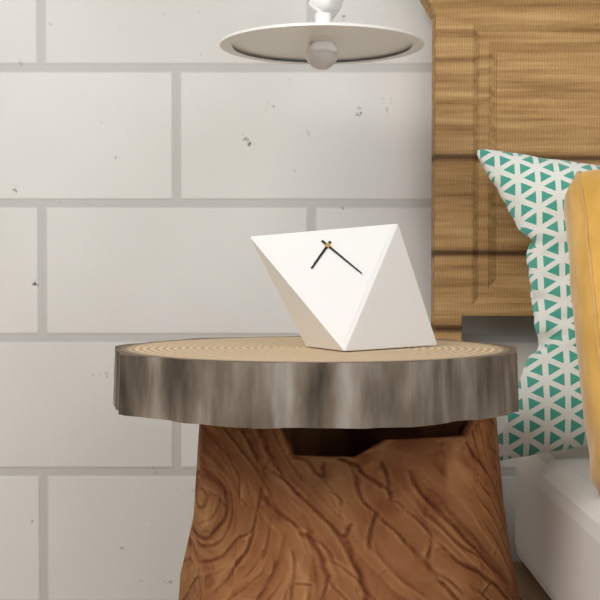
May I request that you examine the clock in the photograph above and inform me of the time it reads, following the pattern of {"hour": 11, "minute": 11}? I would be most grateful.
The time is {"hour": 7, "minute": 23}
